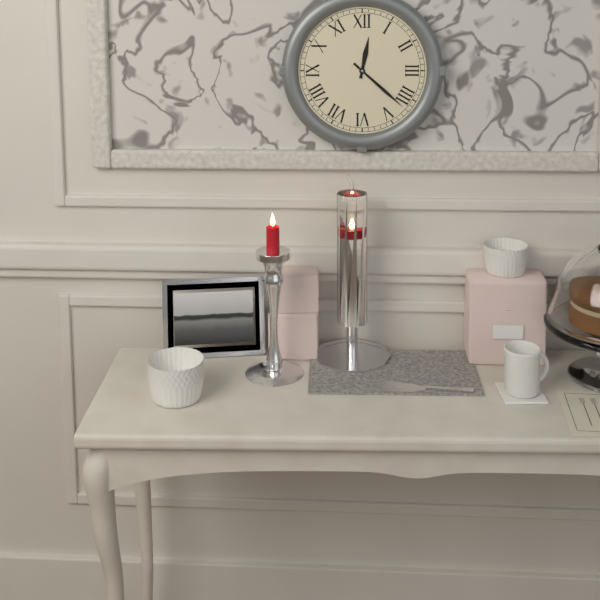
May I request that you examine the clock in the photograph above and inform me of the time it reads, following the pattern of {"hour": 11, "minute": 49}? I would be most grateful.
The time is {"hour": 12, "minute": 22}
